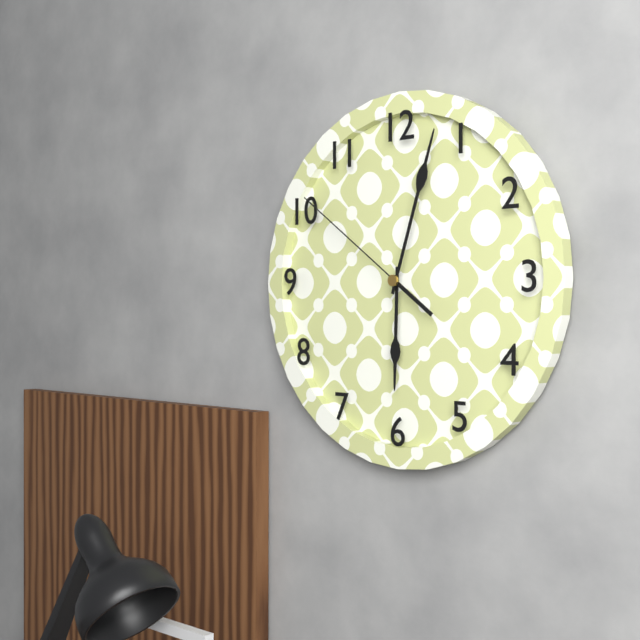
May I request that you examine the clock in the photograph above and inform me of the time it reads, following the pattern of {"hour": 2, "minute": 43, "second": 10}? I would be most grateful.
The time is {"hour": 6, "minute": 3, "second": 51}
